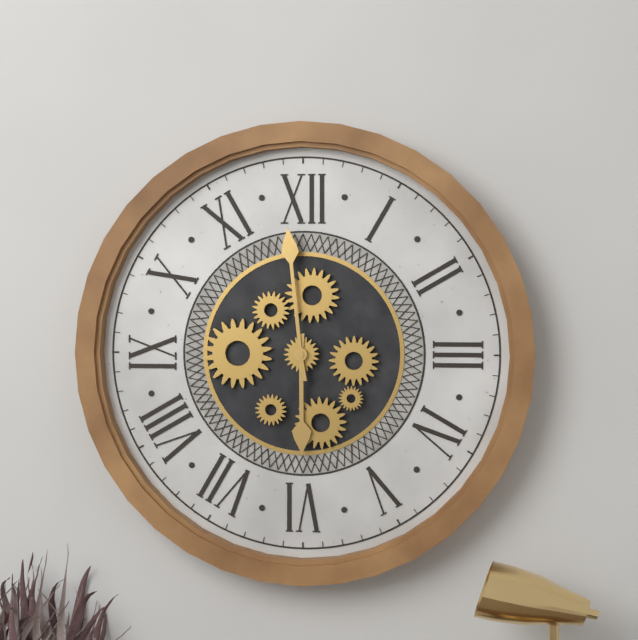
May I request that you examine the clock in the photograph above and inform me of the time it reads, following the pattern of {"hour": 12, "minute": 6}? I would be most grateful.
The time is {"hour": 5, "minute": 59}
